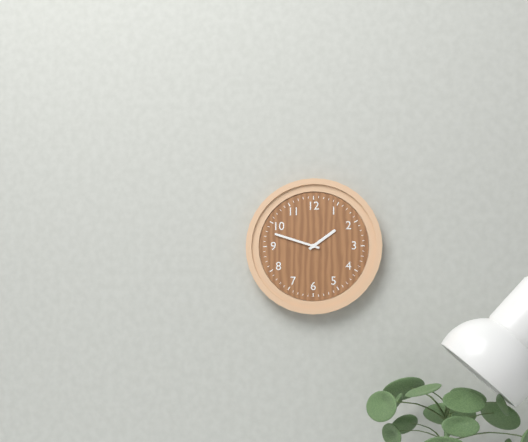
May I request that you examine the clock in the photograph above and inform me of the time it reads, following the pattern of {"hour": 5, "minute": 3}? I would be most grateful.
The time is {"hour": 1, "minute": 48}
